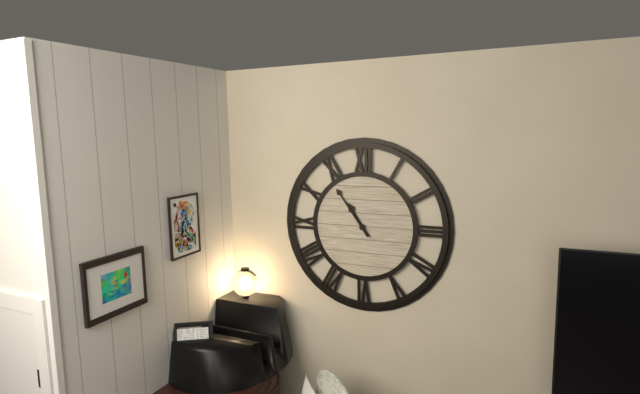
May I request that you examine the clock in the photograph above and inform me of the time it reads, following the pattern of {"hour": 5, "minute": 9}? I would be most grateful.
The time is {"hour": 10, "minute": 54}
